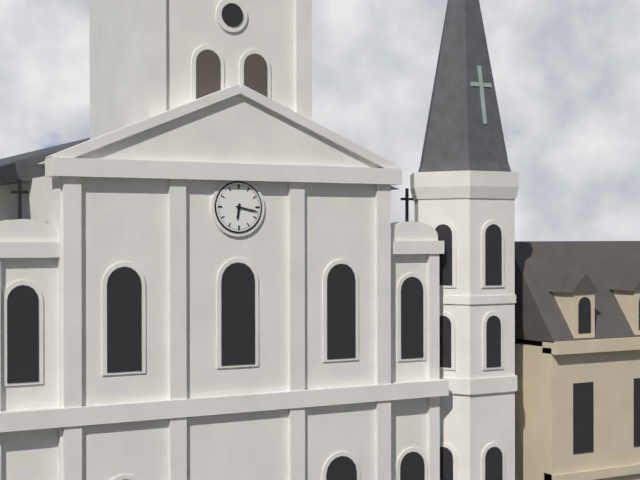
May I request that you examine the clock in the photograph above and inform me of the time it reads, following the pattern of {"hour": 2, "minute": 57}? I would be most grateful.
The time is {"hour": 6, "minute": 17}
